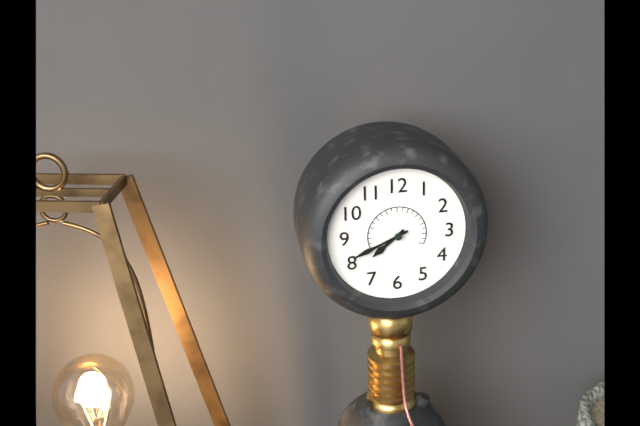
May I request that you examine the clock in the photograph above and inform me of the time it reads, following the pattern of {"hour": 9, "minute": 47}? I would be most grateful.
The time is {"hour": 7, "minute": 41}
